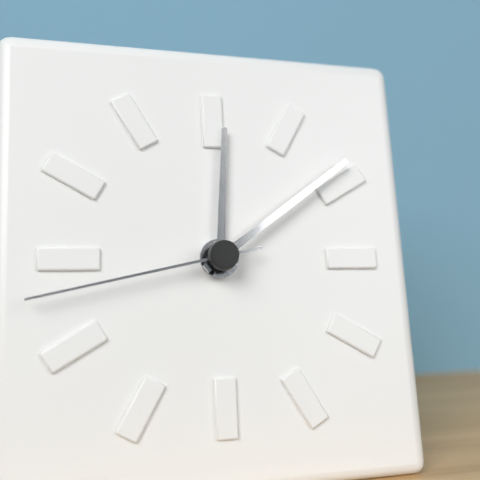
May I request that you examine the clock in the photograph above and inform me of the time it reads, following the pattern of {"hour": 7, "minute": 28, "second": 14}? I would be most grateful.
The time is {"hour": 12, "minute": 9, "second": 43}
